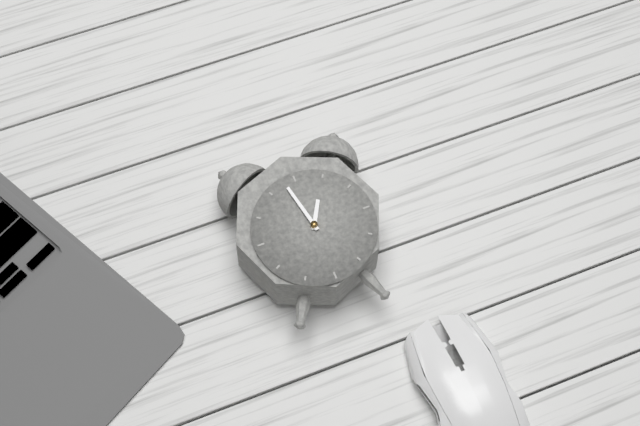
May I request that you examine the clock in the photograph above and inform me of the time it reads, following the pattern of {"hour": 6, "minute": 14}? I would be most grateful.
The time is {"hour": 12, "minute": 58}
